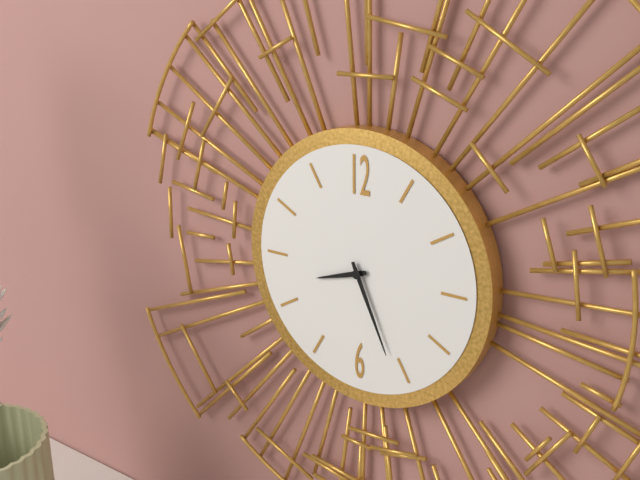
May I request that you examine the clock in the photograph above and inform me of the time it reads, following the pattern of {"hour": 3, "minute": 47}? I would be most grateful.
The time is {"hour": 8, "minute": 26}
